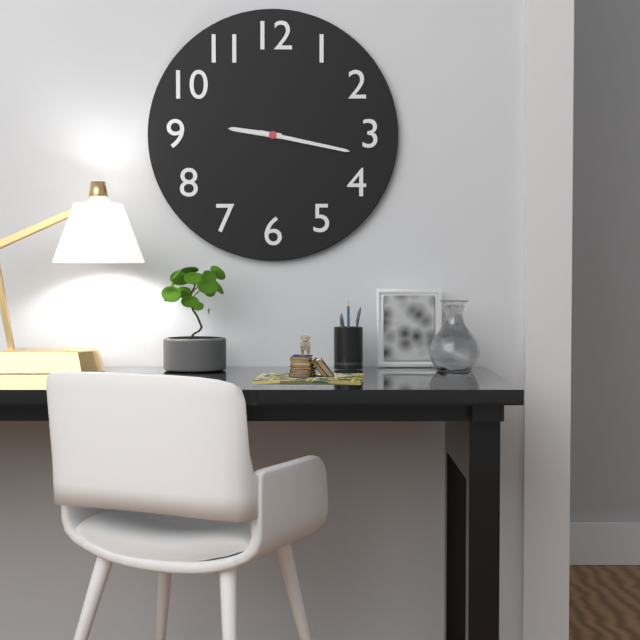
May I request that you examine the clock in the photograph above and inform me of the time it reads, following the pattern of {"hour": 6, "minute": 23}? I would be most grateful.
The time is {"hour": 9, "minute": 17}
